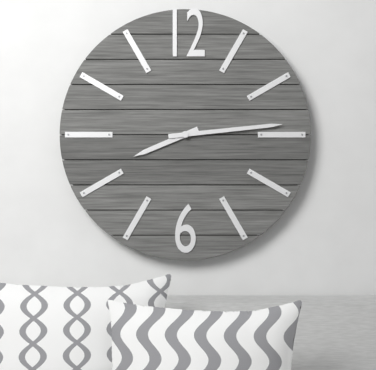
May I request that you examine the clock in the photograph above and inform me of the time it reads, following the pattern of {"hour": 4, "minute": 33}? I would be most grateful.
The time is {"hour": 8, "minute": 14}
